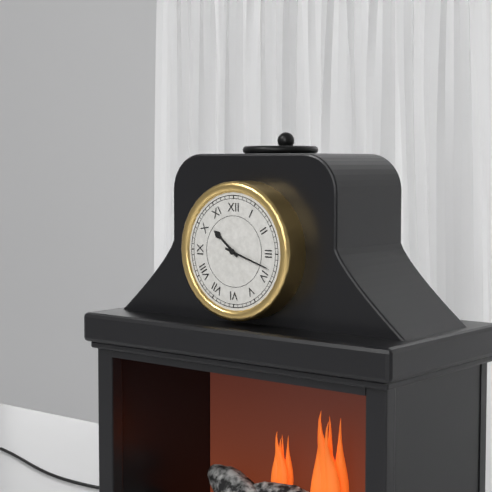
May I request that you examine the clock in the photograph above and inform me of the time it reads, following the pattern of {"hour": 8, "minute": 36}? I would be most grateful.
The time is {"hour": 10, "minute": 18}
